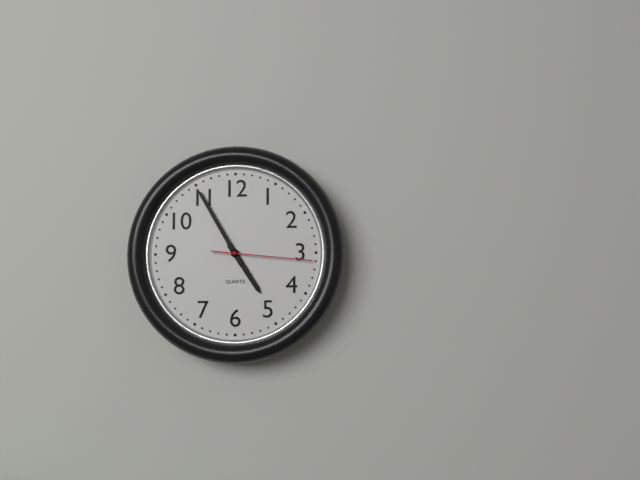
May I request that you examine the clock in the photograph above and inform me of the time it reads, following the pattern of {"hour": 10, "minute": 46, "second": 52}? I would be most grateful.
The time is {"hour": 4, "minute": 55, "second": 16}
